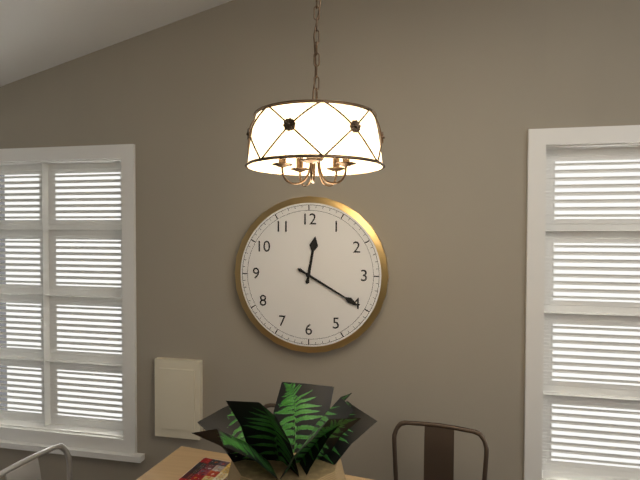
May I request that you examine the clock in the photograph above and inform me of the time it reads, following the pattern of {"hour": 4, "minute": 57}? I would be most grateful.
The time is {"hour": 12, "minute": 20}
